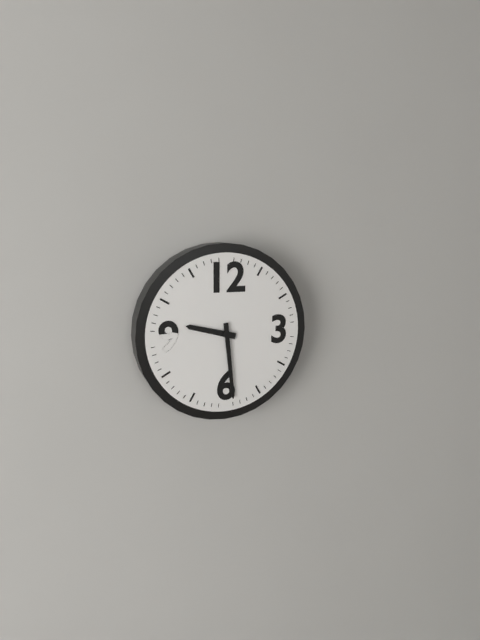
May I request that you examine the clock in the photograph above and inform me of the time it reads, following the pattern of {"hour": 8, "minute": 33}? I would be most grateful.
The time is {"hour": 9, "minute": 29}
